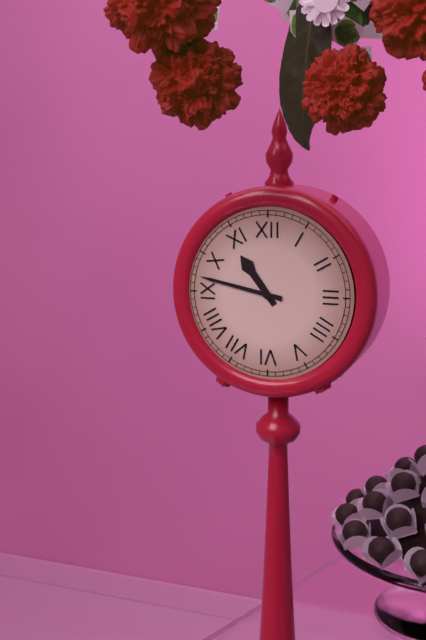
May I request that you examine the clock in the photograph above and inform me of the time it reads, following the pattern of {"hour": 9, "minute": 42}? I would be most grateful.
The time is {"hour": 10, "minute": 47}
